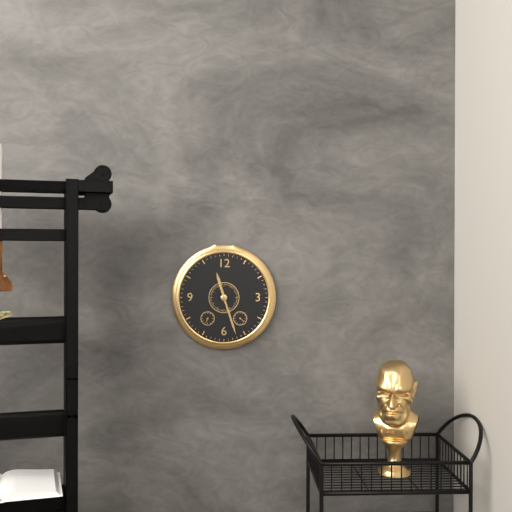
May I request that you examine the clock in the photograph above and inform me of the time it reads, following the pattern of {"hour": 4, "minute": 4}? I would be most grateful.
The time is {"hour": 11, "minute": 27}
